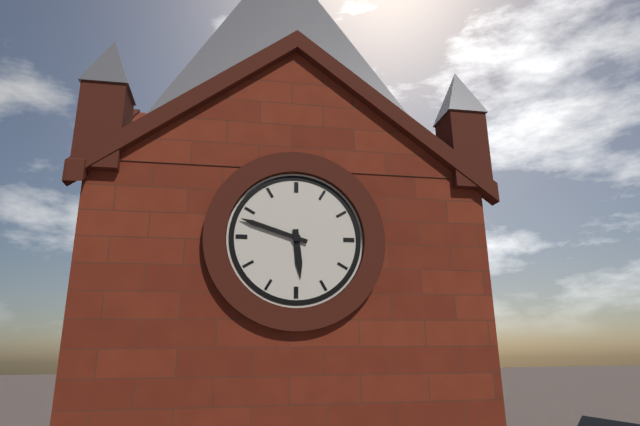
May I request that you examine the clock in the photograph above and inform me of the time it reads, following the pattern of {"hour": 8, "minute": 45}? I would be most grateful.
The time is {"hour": 5, "minute": 48}
